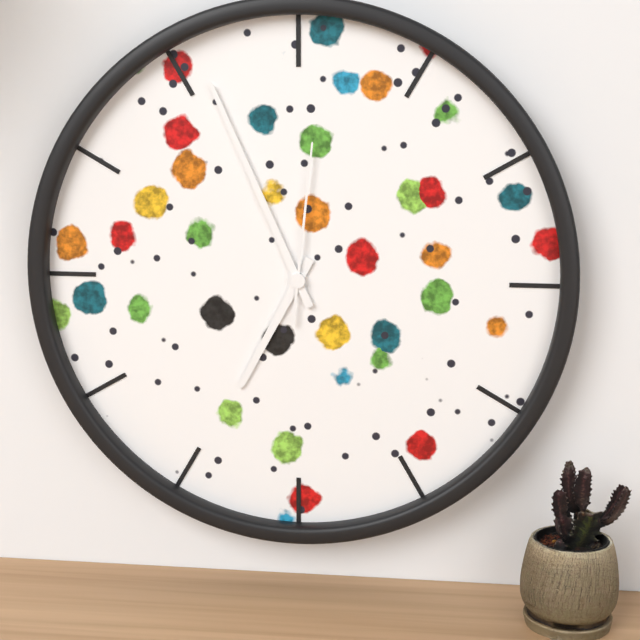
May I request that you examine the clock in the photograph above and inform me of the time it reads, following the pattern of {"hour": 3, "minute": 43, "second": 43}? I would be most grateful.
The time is {"hour": 6, "minute": 56, "second": 1}
